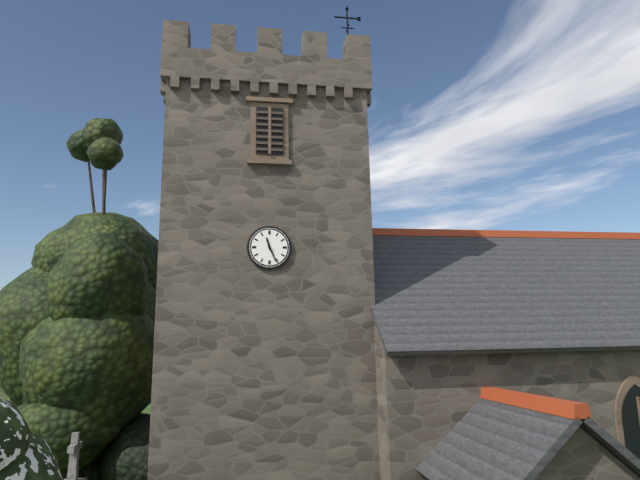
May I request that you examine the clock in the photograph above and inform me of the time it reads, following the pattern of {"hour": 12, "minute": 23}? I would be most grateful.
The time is {"hour": 11, "minute": 26}
